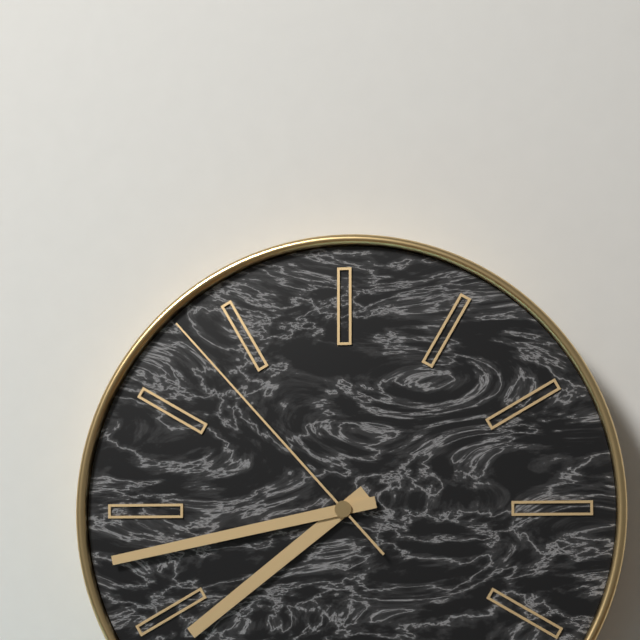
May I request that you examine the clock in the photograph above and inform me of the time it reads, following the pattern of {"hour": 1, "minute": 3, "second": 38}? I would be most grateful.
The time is {"hour": 7, "minute": 43, "second": 53}
